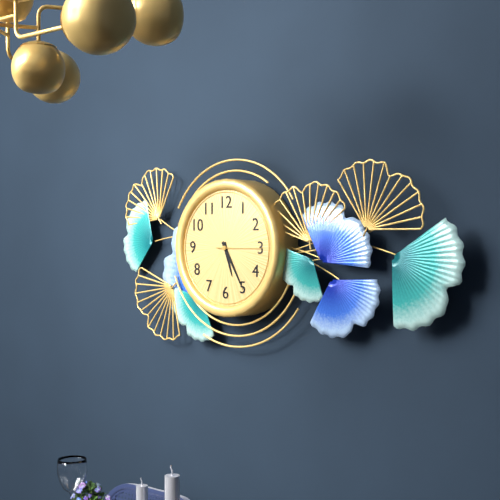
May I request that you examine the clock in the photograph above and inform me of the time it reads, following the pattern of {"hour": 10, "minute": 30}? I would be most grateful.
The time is {"hour": 5, "minute": 25}
